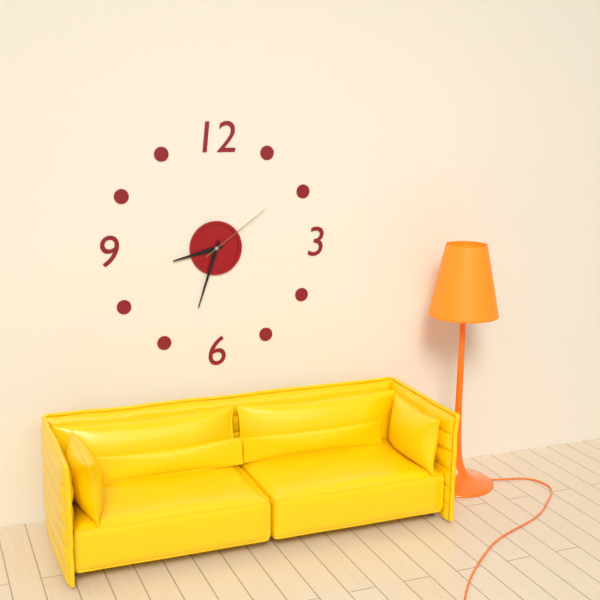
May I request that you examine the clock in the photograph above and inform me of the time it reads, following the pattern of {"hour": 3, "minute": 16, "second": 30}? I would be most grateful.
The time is {"hour": 8, "minute": 33, "second": 9}
